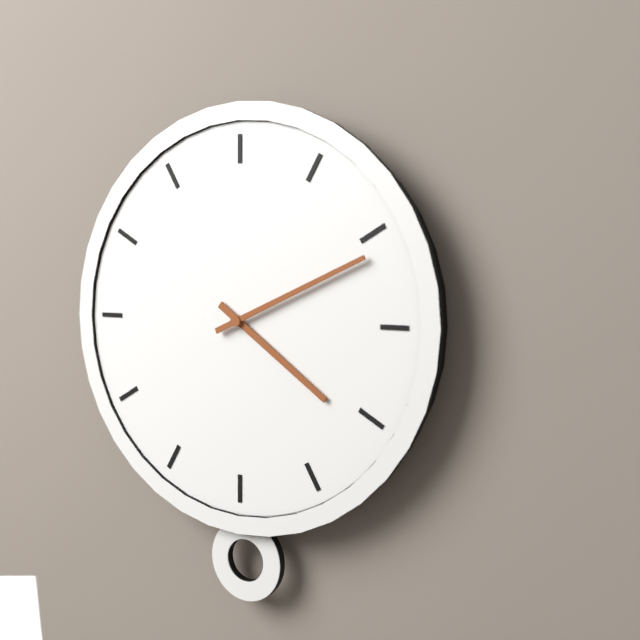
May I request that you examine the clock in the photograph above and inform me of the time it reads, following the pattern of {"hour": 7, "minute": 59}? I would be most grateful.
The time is {"hour": 4, "minute": 11}
